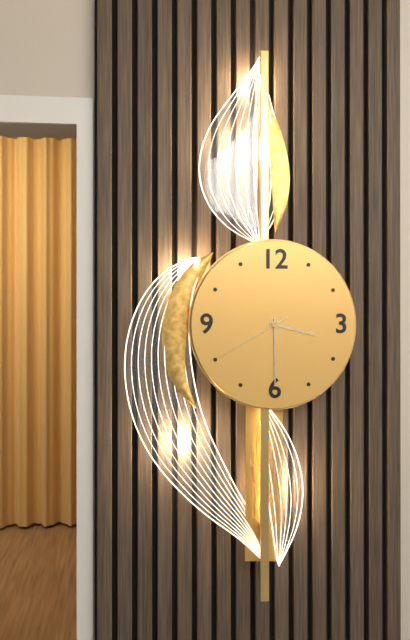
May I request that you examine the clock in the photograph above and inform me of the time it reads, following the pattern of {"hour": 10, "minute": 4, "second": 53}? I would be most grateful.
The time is {"hour": 3, "minute": 30, "second": 40}
